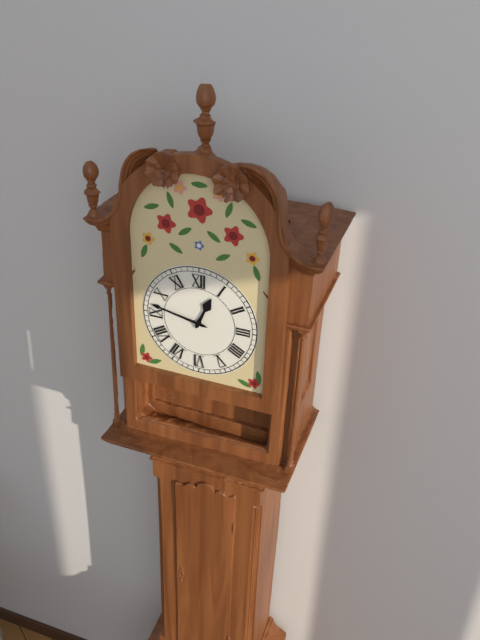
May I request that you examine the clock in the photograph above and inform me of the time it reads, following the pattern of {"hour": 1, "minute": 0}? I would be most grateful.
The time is {"hour": 12, "minute": 47}
